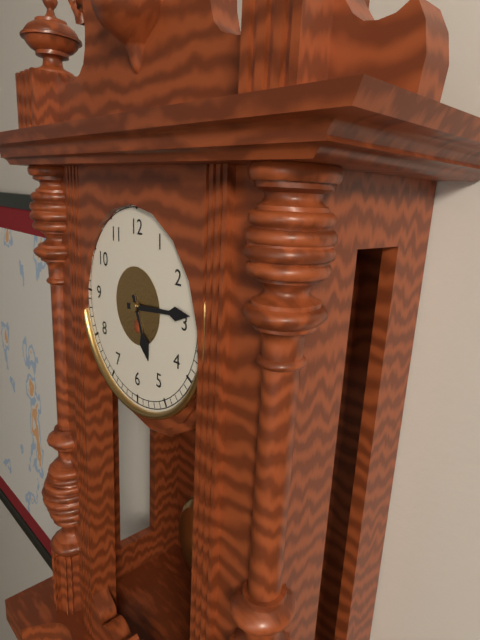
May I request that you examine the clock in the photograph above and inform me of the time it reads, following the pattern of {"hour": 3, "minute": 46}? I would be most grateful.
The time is {"hour": 5, "minute": 14}
